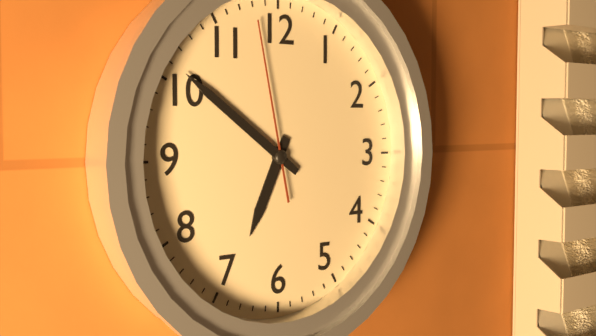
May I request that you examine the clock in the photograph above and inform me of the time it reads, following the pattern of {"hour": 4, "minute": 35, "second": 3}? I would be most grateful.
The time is {"hour": 6, "minute": 51, "second": 58}
